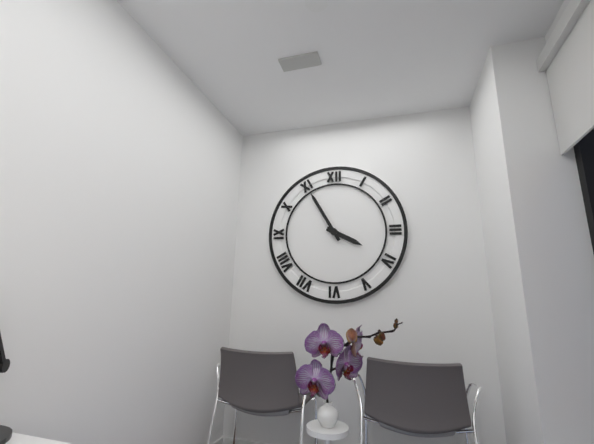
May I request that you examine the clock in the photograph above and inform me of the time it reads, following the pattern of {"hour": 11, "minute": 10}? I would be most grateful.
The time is {"hour": 3, "minute": 55}
